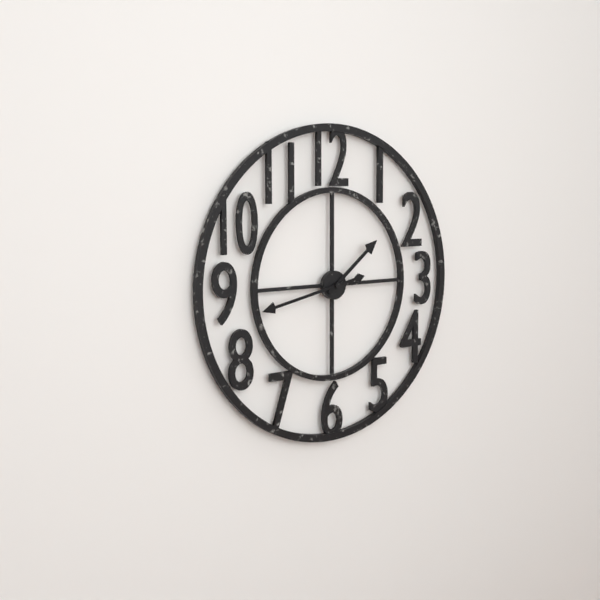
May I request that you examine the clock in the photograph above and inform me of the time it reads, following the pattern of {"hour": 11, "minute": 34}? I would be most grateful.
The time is {"hour": 1, "minute": 43}
